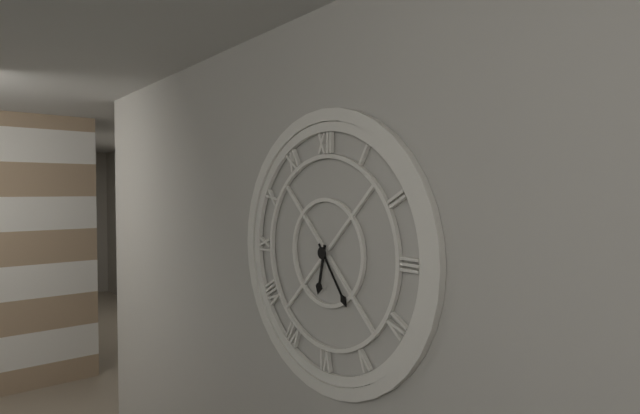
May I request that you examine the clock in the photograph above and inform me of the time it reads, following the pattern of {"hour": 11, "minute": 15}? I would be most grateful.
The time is {"hour": 6, "minute": 24}
